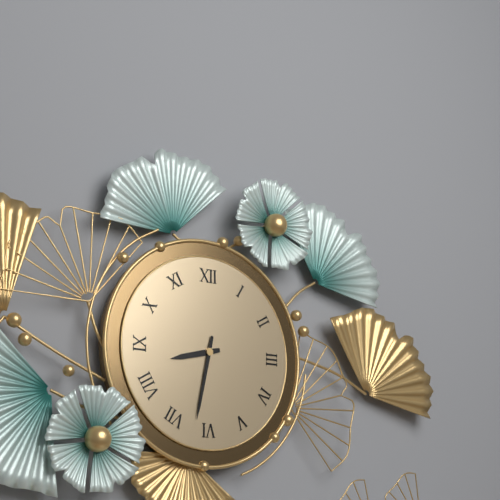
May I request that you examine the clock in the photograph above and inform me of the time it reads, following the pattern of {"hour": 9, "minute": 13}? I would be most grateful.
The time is {"hour": 8, "minute": 32}
